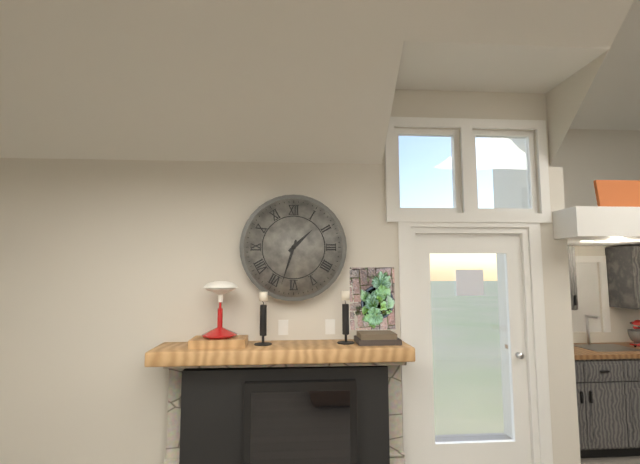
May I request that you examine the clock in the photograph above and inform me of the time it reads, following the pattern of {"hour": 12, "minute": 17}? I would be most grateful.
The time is {"hour": 1, "minute": 33}
